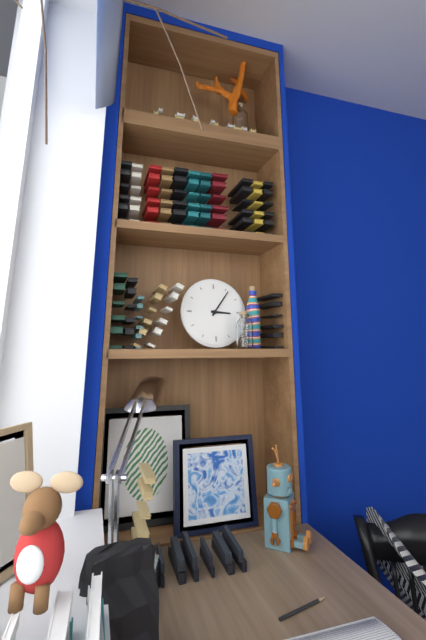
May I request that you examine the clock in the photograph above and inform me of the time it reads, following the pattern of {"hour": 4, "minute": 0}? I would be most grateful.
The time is {"hour": 3, "minute": 6}
